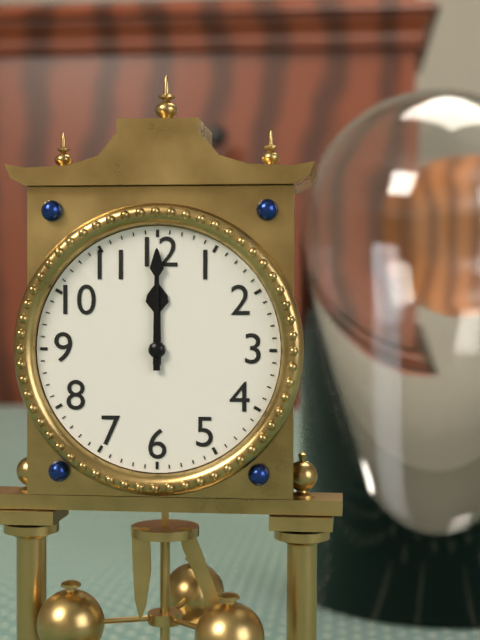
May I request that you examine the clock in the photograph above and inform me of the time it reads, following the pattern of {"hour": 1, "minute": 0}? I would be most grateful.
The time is {"hour": 12, "minute": 0}
